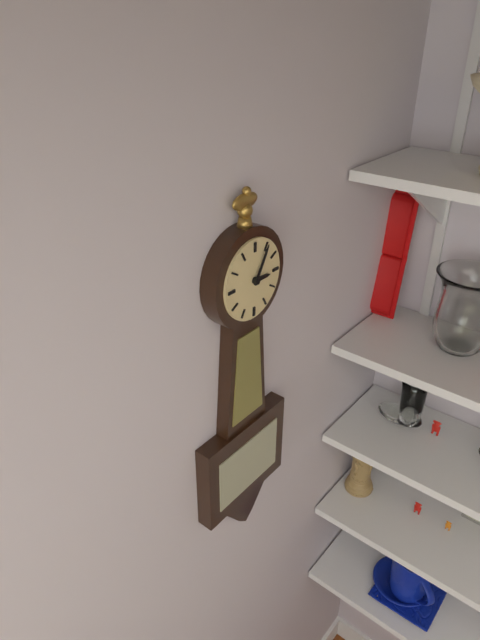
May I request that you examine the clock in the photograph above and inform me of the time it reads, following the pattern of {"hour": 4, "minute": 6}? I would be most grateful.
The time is {"hour": 3, "minute": 5}
